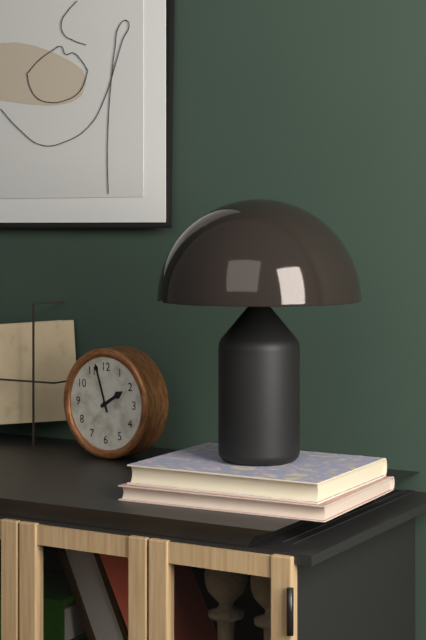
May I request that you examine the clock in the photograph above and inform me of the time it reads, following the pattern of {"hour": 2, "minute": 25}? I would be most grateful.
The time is {"hour": 1, "minute": 57}
